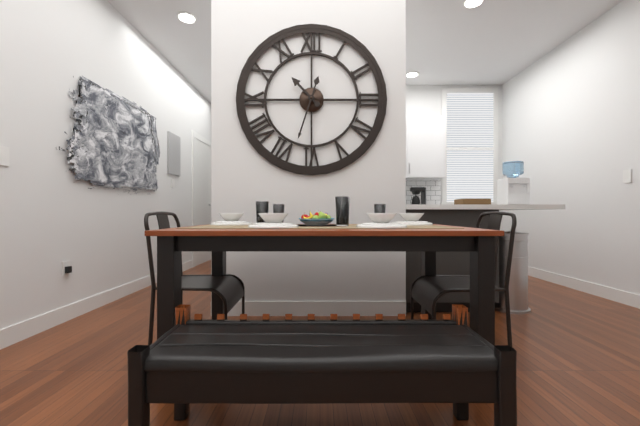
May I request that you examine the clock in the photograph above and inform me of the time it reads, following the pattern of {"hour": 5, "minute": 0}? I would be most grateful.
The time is {"hour": 10, "minute": 33}
